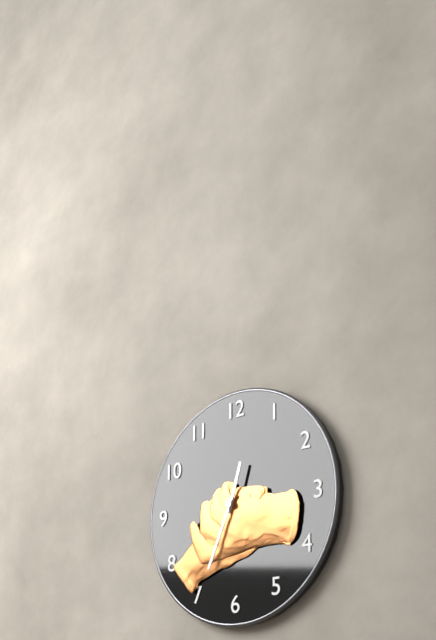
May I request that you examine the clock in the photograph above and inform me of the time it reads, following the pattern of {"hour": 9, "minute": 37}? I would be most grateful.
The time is {"hour": 12, "minute": 34}
